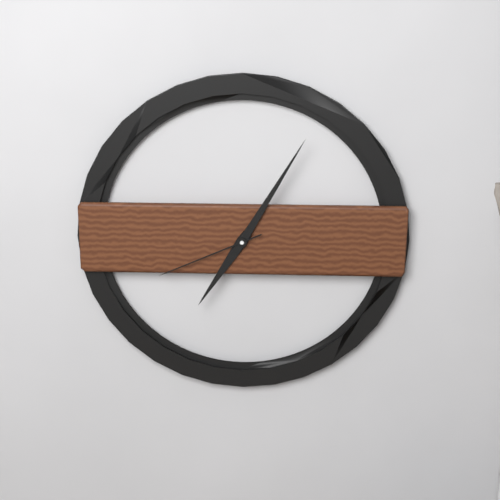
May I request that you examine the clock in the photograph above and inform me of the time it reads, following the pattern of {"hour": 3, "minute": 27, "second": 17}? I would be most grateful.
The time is {"hour": 7, "minute": 5, "second": 41}
